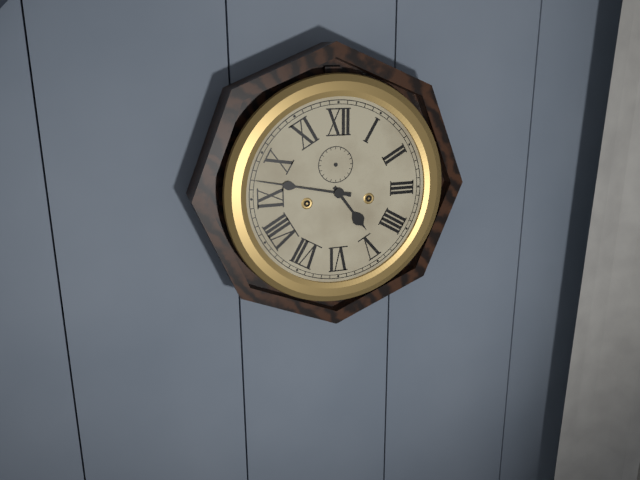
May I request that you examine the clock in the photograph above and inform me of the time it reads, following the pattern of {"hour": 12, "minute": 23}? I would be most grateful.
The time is {"hour": 4, "minute": 47}
